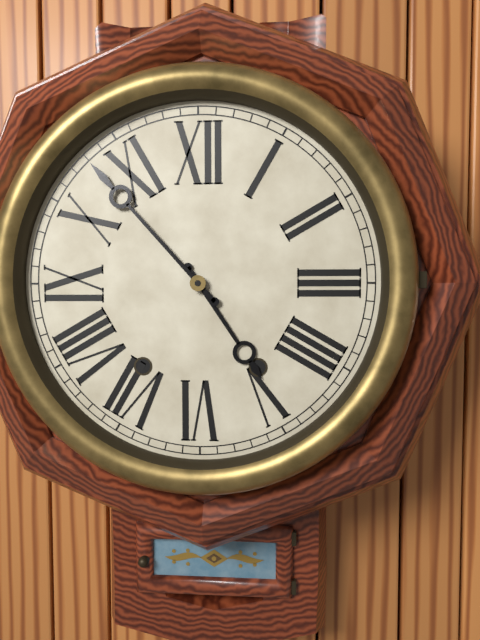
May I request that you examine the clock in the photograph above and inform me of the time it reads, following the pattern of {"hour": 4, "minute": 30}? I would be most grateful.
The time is {"hour": 4, "minute": 53}
